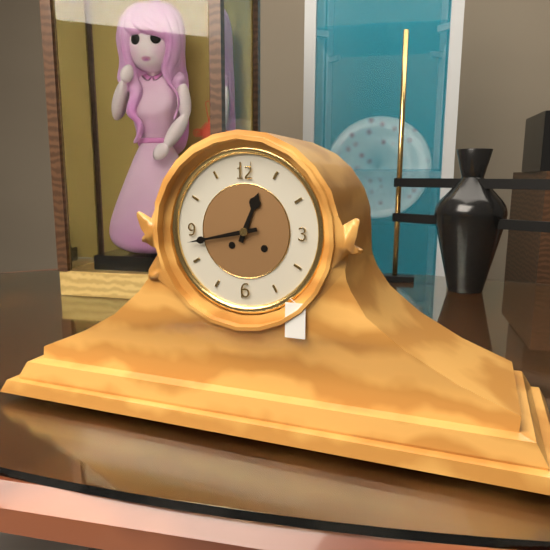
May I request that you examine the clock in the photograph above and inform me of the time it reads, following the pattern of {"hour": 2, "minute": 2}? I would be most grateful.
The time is {"hour": 12, "minute": 43}
